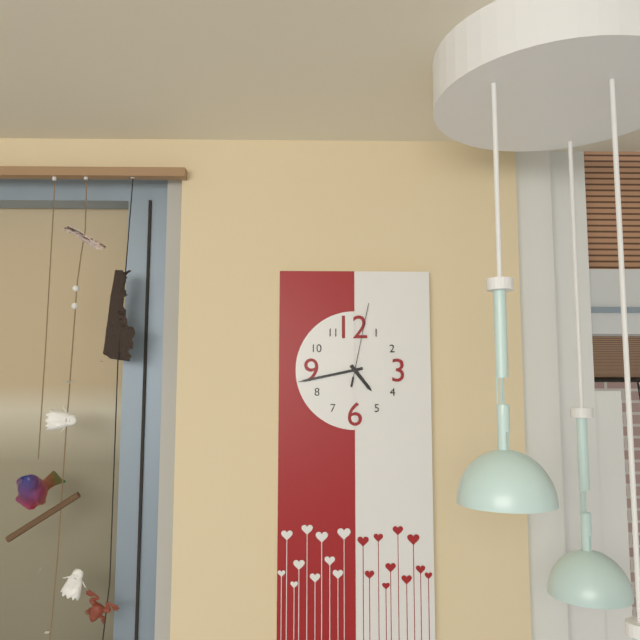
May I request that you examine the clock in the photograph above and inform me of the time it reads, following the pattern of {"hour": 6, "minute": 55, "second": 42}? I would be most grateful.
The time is {"hour": 4, "minute": 43, "second": 2}
